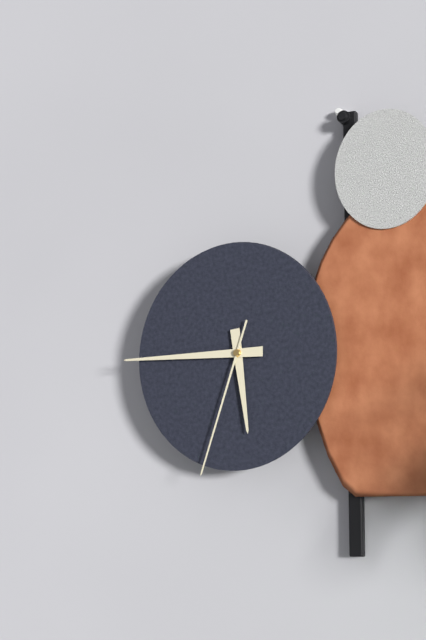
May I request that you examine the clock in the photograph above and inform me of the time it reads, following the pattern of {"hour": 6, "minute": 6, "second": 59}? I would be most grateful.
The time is {"hour": 5, "minute": 45, "second": 33}
